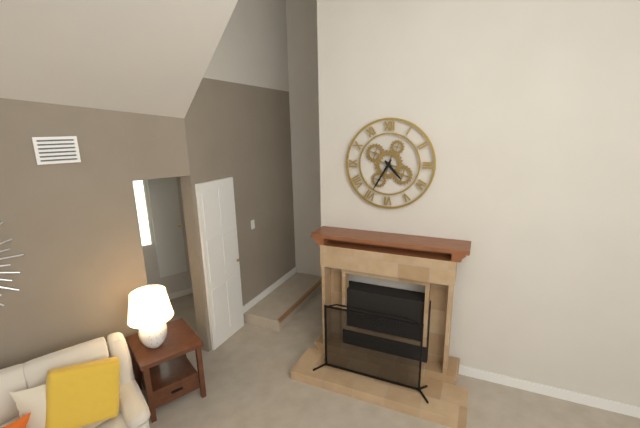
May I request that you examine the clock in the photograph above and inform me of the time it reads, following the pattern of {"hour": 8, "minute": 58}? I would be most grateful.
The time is {"hour": 4, "minute": 35}
